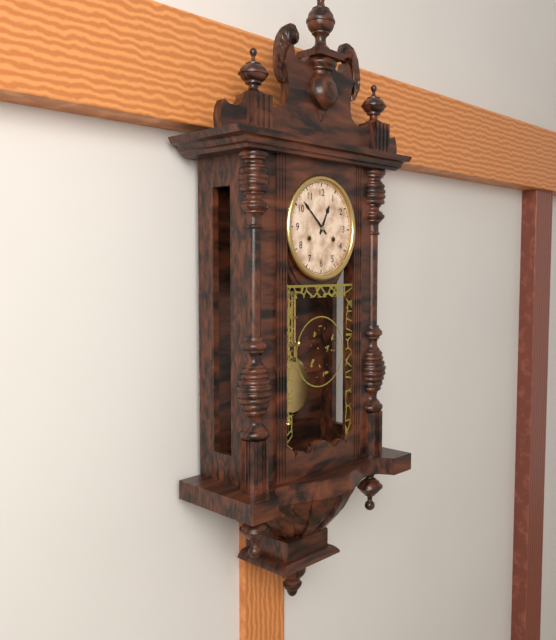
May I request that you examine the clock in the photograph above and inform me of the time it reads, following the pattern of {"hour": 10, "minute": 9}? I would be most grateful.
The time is {"hour": 12, "minute": 52}
